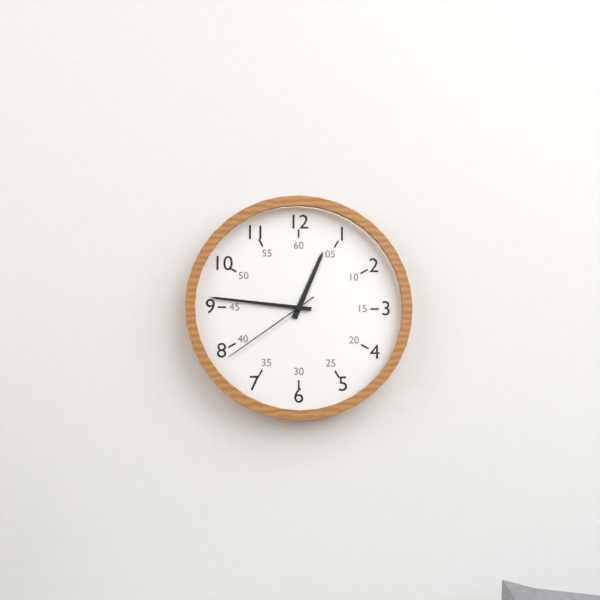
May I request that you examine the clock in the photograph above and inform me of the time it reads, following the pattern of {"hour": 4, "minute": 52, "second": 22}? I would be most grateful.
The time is {"hour": 12, "minute": 46, "second": 39}
